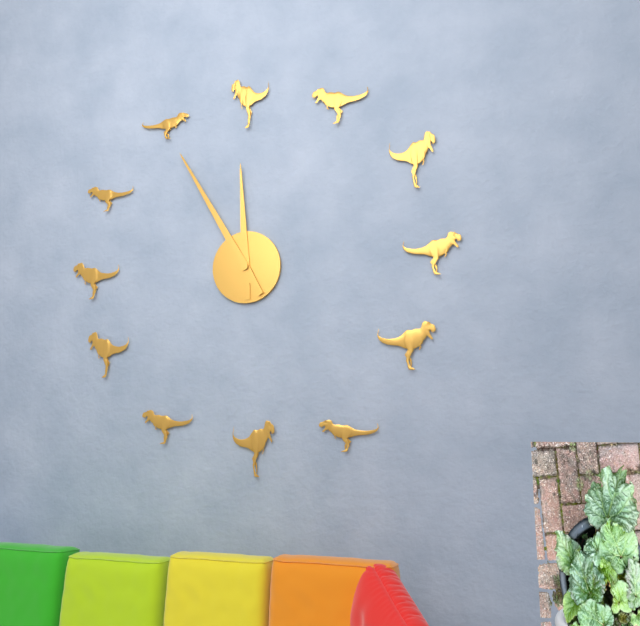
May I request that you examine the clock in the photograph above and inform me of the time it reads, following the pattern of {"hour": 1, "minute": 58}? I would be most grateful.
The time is {"hour": 11, "minute": 55}
